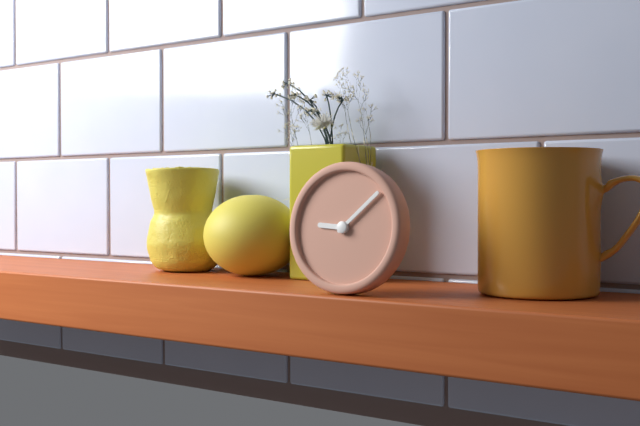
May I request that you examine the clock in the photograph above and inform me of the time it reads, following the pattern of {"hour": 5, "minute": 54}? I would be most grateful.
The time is {"hour": 9, "minute": 8}
